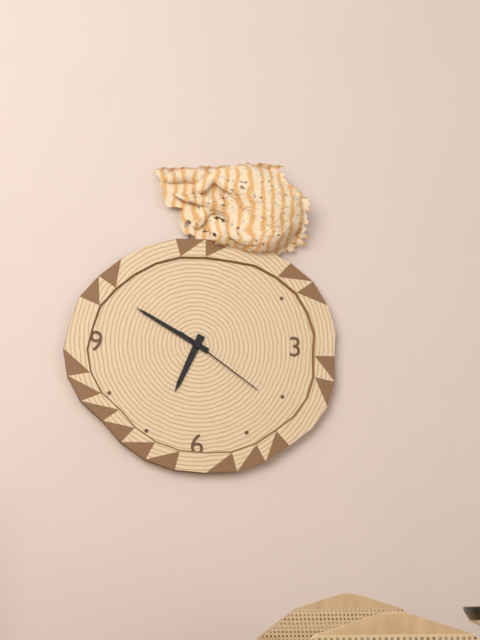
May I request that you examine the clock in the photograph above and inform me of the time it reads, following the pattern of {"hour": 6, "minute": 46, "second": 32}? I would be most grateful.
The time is {"hour": 6, "minute": 50, "second": 21}
